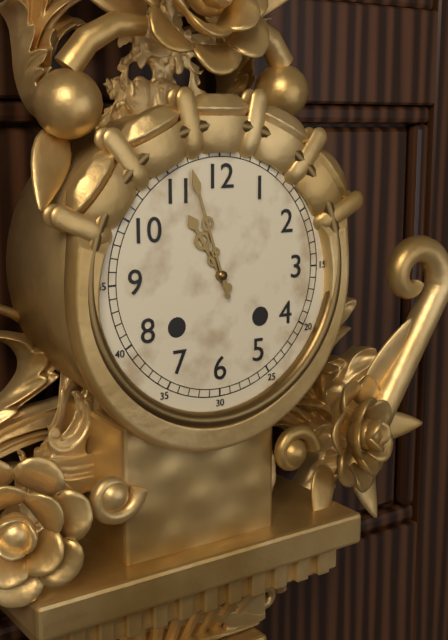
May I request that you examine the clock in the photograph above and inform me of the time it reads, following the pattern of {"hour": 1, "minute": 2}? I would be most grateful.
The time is {"hour": 10, "minute": 57}
